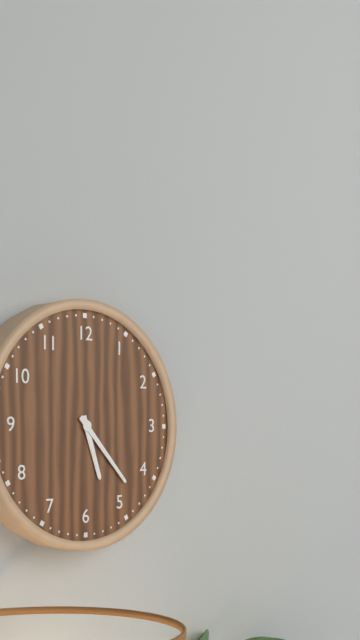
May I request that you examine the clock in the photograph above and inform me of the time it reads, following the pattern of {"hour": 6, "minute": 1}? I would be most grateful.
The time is {"hour": 5, "minute": 23}
